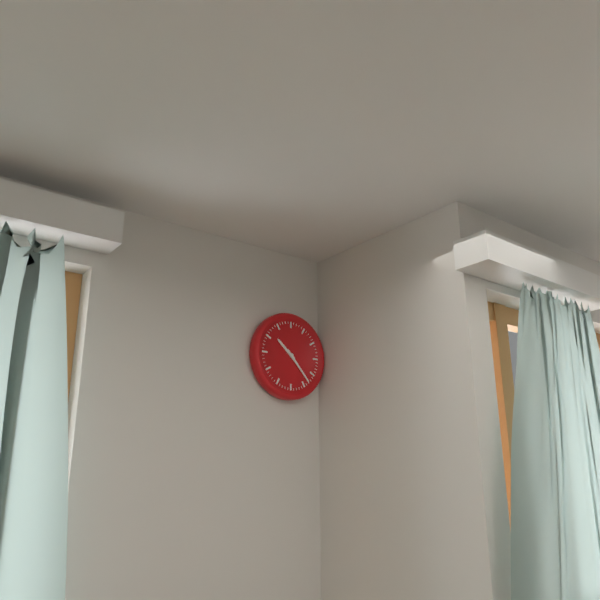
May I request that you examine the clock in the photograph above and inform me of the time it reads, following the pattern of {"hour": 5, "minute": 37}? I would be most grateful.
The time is {"hour": 10, "minute": 23}
